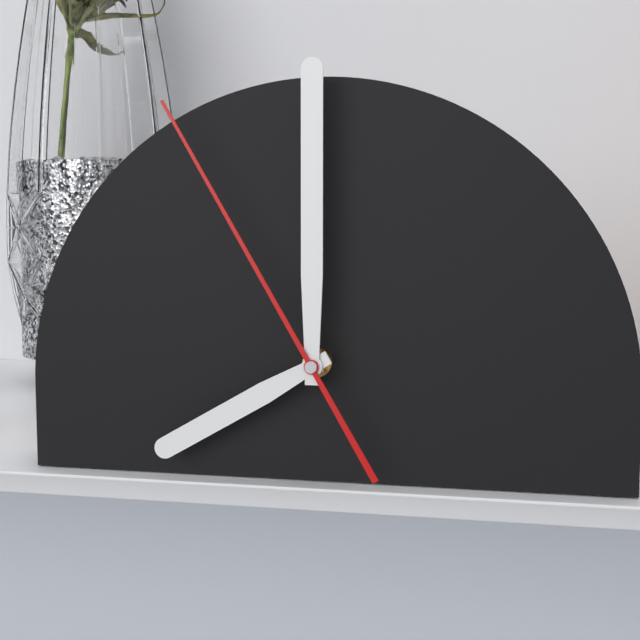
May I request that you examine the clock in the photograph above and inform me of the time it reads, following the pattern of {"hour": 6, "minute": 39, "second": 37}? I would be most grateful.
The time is {"hour": 8, "minute": 0, "second": 55}
